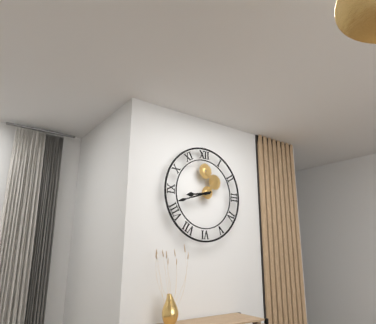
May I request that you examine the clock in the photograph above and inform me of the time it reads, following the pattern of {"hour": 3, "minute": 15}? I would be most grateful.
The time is {"hour": 8, "minute": 42}
